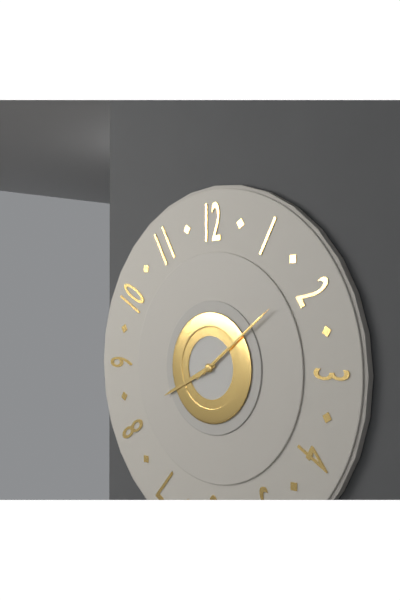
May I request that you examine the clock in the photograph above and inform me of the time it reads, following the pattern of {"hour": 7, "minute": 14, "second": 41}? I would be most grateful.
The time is {"hour": 8, "minute": 9, "second": 9}
